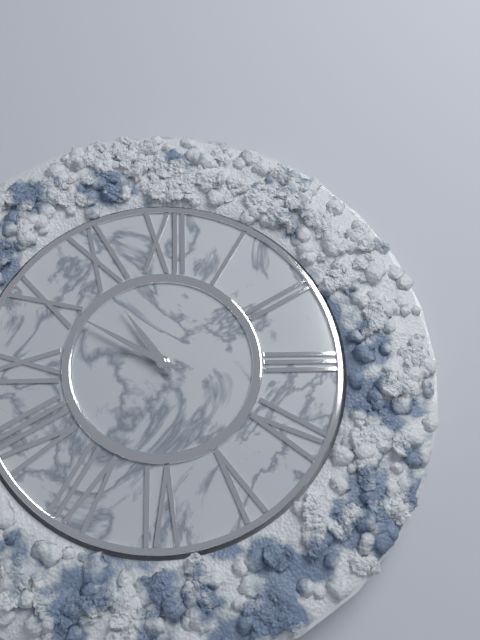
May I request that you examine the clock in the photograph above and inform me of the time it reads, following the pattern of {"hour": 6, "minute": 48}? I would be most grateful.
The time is {"hour": 10, "minute": 50}
